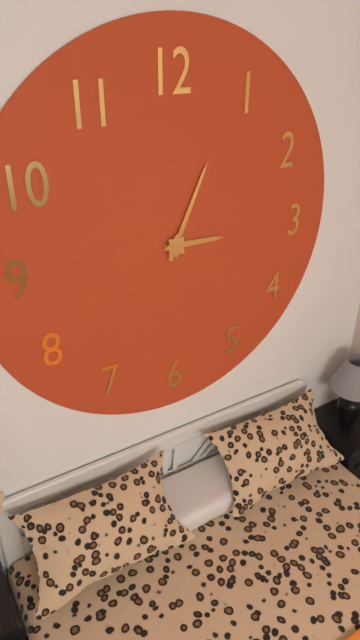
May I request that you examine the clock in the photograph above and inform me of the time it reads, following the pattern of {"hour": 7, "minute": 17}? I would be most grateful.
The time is {"hour": 3, "minute": 4}
